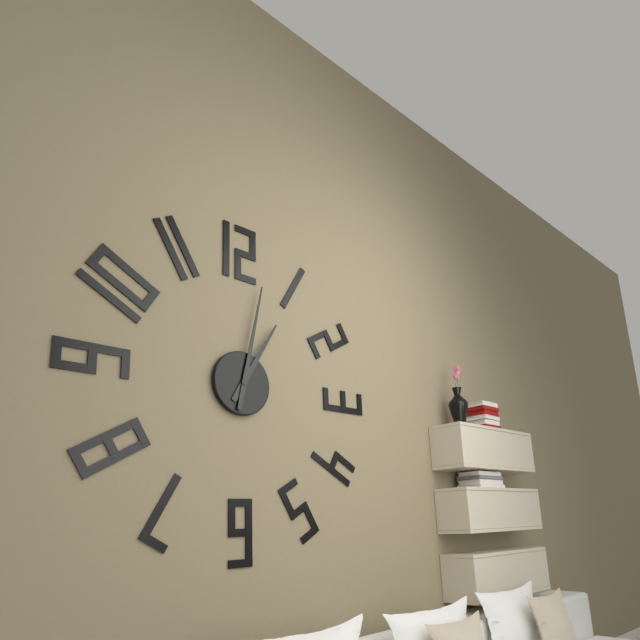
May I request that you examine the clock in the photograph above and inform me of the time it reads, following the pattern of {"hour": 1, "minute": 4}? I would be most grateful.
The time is {"hour": 1, "minute": 2}
